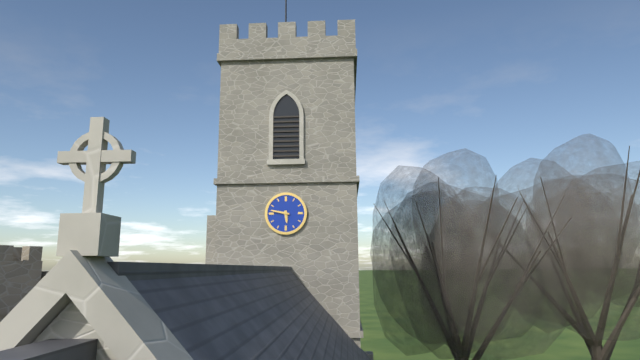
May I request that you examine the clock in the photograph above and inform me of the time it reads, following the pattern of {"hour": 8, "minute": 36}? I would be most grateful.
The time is {"hour": 5, "minute": 47}
